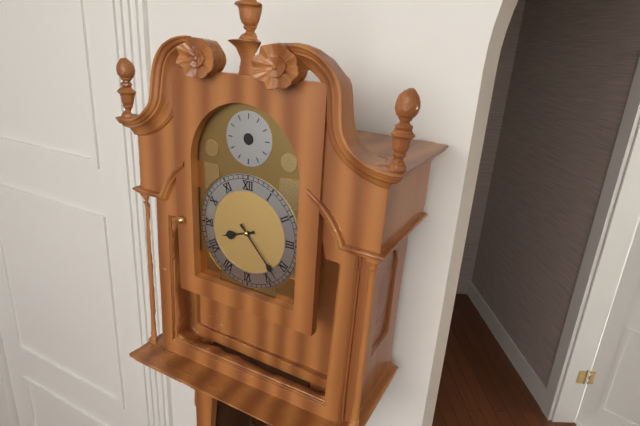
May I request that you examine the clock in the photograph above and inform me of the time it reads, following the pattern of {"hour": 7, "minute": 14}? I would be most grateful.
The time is {"hour": 8, "minute": 23}
